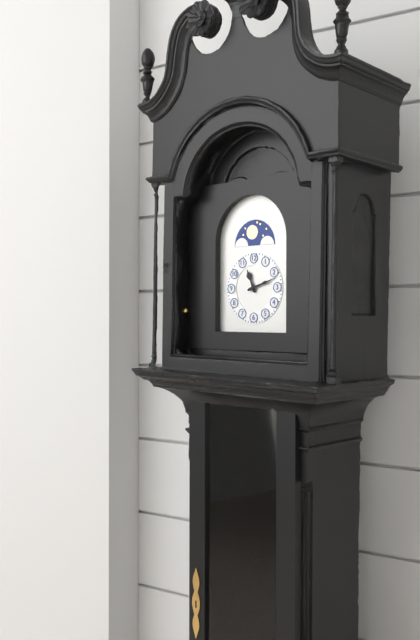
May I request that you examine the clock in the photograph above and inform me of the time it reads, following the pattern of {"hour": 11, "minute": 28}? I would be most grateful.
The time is {"hour": 11, "minute": 12}
